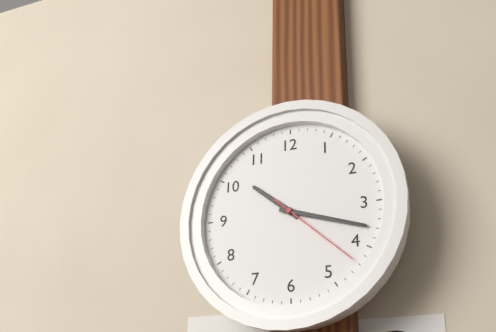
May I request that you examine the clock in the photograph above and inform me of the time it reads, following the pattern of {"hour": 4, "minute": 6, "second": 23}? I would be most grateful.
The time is {"hour": 10, "minute": 18, "second": 22}
